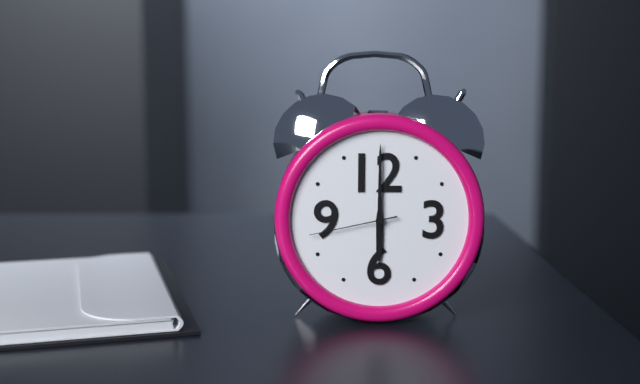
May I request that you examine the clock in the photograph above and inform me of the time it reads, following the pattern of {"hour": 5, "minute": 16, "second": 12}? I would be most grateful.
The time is {"hour": 6, "minute": 0, "second": 43}
